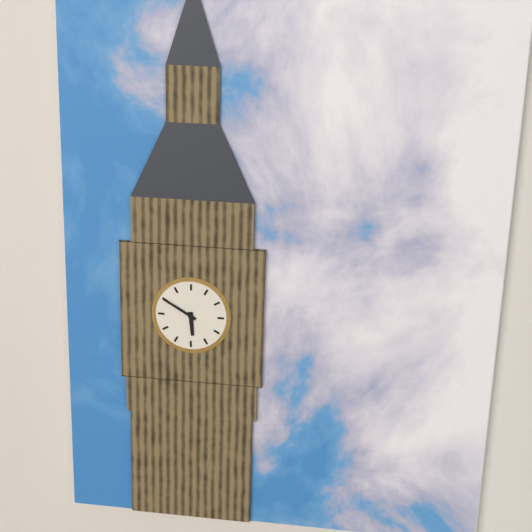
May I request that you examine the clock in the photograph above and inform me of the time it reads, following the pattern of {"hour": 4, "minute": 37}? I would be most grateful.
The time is {"hour": 5, "minute": 50}
